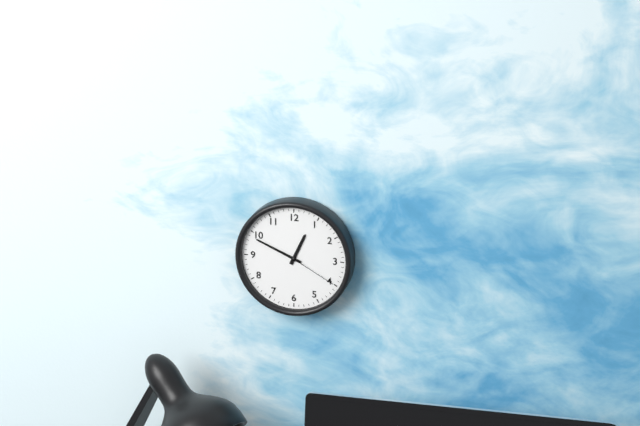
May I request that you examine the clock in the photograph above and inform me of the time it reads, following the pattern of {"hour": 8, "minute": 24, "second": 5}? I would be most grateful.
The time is {"hour": 12, "minute": 49, "second": 20}
